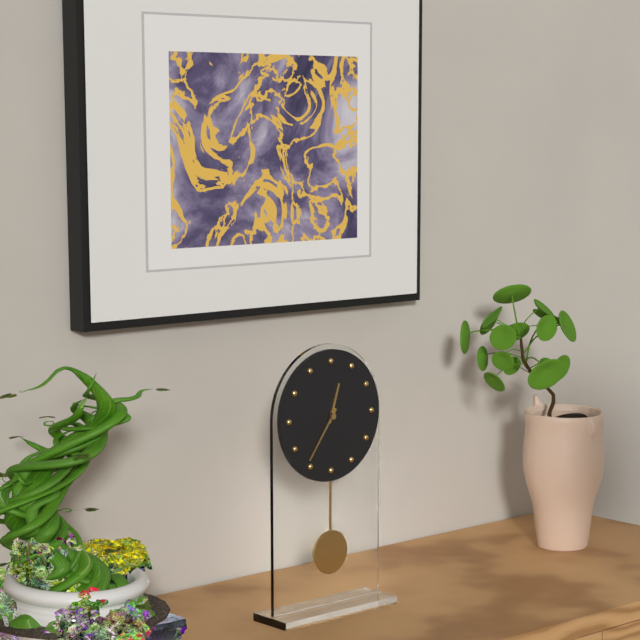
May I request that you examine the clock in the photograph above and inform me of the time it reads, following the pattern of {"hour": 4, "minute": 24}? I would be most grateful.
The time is {"hour": 12, "minute": 36}
